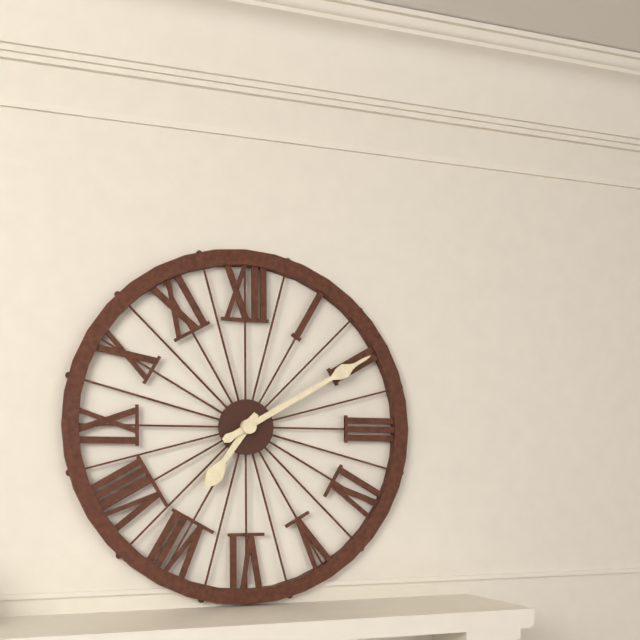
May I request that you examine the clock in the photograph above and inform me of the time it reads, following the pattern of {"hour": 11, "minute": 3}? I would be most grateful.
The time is {"hour": 7, "minute": 10}
